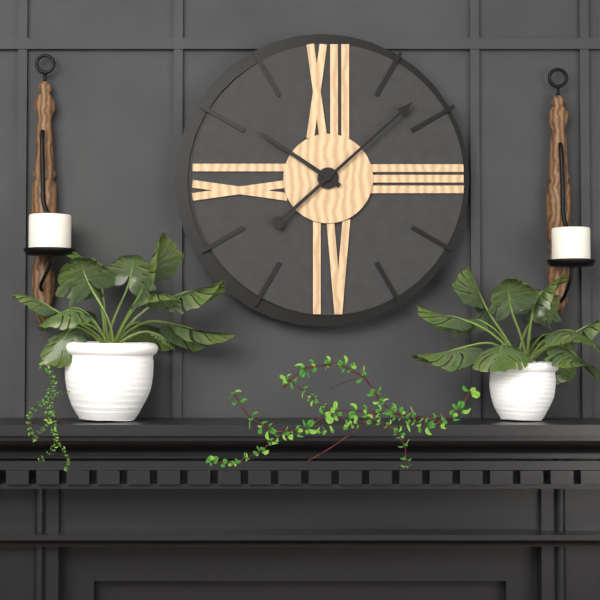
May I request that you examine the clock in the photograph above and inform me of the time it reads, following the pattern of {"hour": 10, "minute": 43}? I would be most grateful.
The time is {"hour": 10, "minute": 8}
